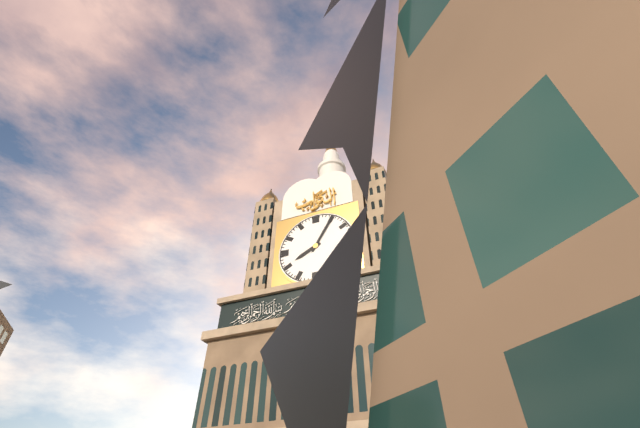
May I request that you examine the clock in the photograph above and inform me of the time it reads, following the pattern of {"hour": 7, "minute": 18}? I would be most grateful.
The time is {"hour": 8, "minute": 5}
